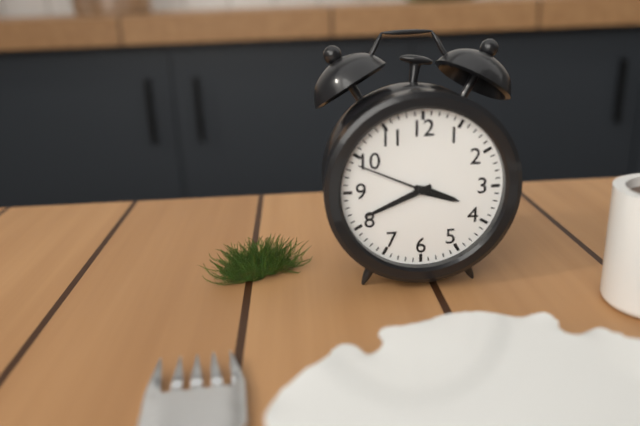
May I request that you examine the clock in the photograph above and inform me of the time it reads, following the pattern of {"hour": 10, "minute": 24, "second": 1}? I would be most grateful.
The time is {"hour": 3, "minute": 41, "second": 49}
